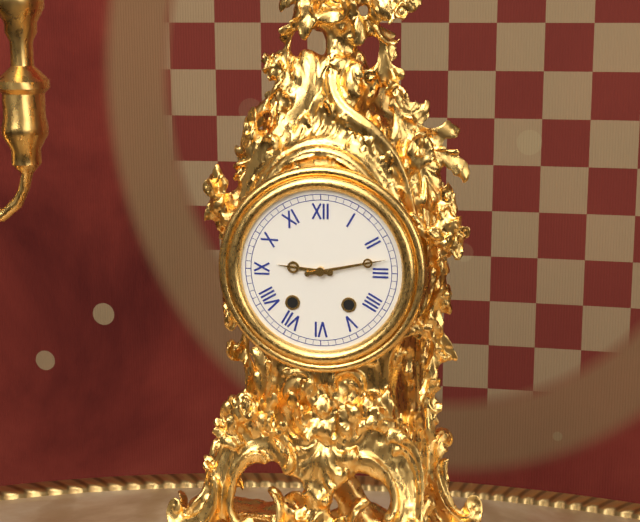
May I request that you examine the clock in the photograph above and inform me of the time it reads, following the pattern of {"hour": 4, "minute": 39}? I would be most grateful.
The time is {"hour": 9, "minute": 13}
